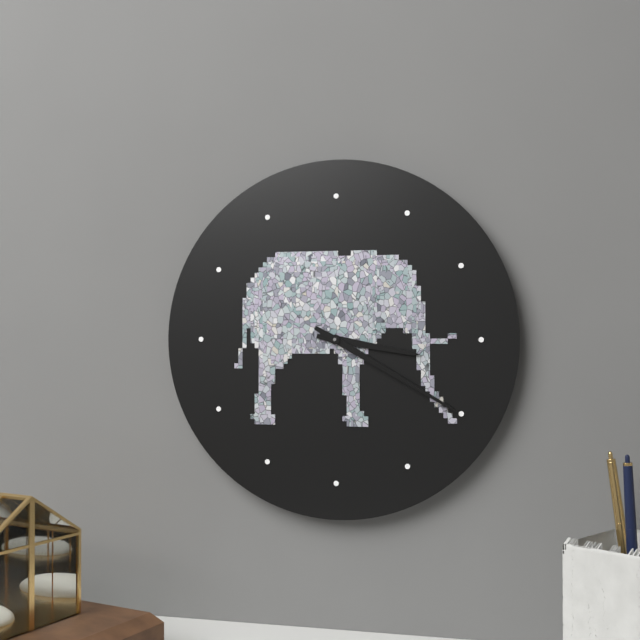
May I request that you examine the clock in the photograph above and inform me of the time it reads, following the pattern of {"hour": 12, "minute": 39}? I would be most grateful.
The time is {"hour": 3, "minute": 20}
